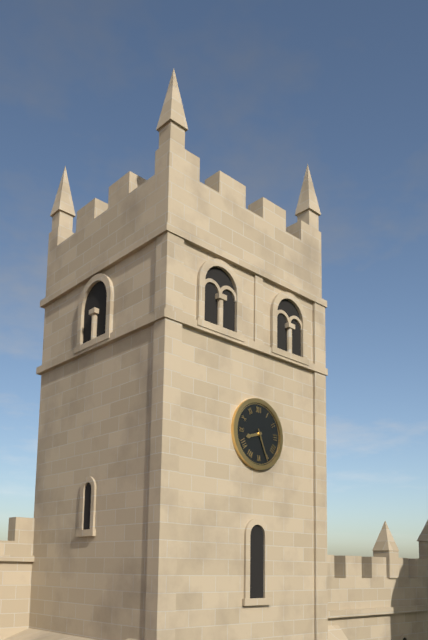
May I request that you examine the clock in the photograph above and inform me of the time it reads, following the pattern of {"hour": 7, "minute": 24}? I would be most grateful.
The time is {"hour": 8, "minute": 26}
